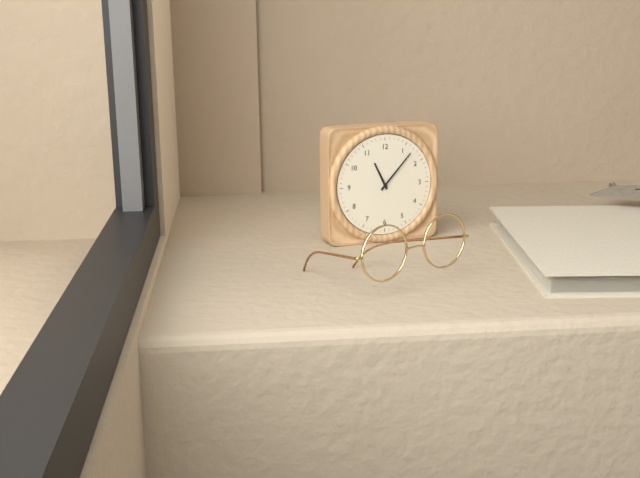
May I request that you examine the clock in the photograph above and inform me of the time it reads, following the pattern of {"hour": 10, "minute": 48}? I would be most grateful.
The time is {"hour": 11, "minute": 7}
